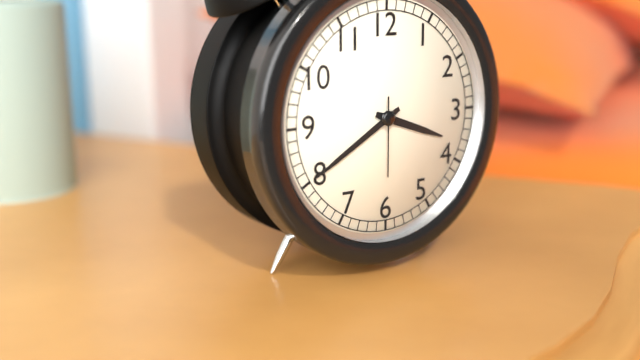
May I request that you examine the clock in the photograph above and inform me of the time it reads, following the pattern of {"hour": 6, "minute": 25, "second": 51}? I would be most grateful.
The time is {"hour": 3, "minute": 40, "second": 30}
